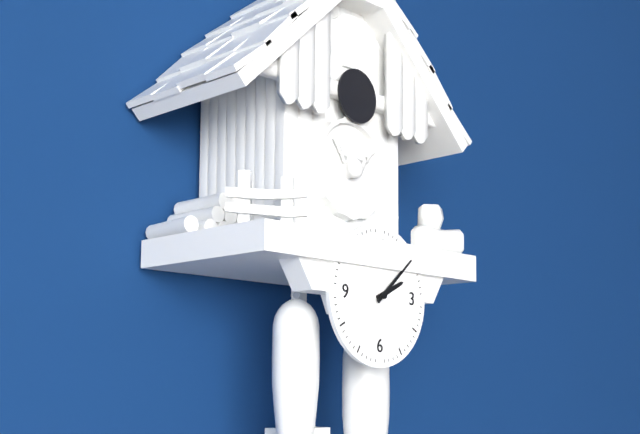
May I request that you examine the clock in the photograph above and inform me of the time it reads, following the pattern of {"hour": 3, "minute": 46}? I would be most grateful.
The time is {"hour": 2, "minute": 8}
